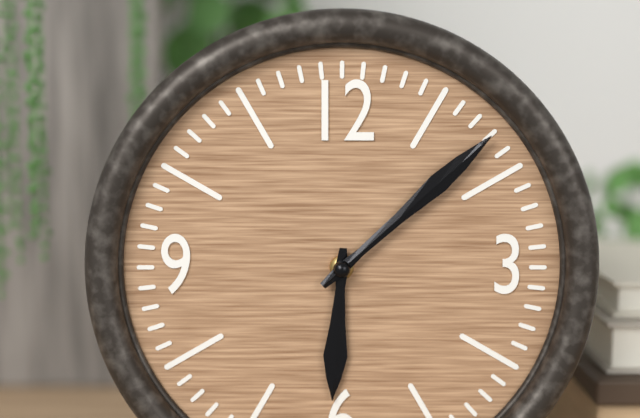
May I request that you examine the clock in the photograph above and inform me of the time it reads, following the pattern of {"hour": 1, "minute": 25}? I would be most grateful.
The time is {"hour": 6, "minute": 8}
